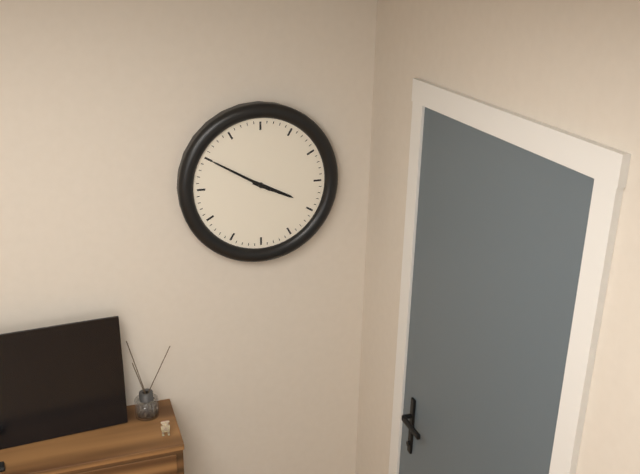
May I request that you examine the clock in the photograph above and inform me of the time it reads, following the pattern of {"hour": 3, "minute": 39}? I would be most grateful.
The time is {"hour": 3, "minute": 50}
